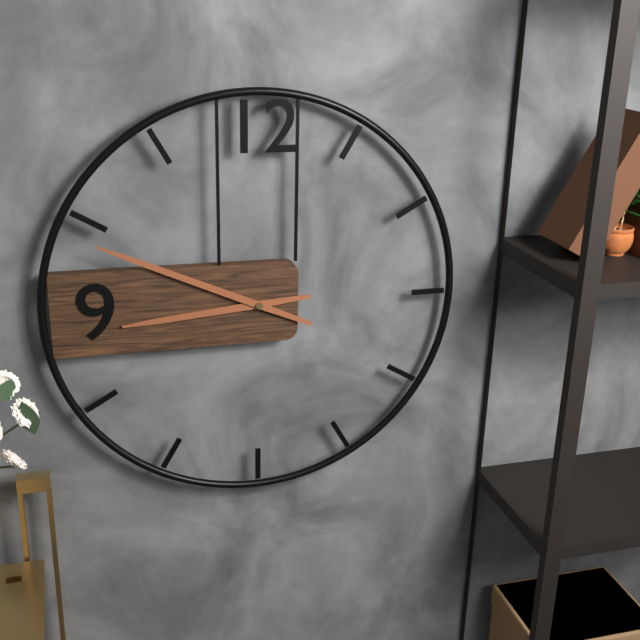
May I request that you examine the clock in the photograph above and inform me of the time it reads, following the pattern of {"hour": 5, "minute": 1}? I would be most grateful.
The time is {"hour": 8, "minute": 49}
